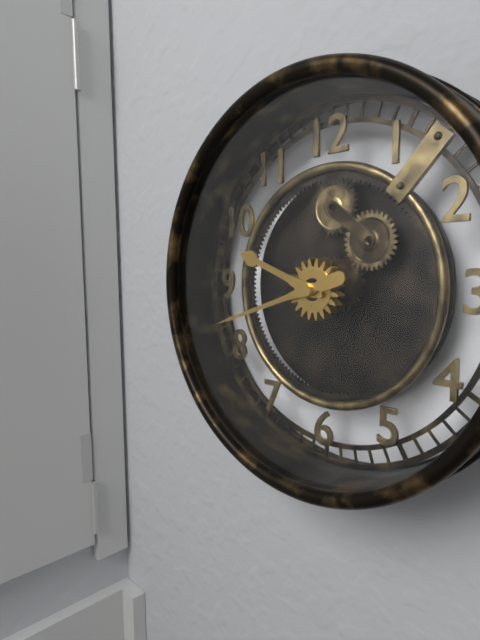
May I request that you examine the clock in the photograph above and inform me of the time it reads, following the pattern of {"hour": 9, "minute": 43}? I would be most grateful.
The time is {"hour": 9, "minute": 42}
